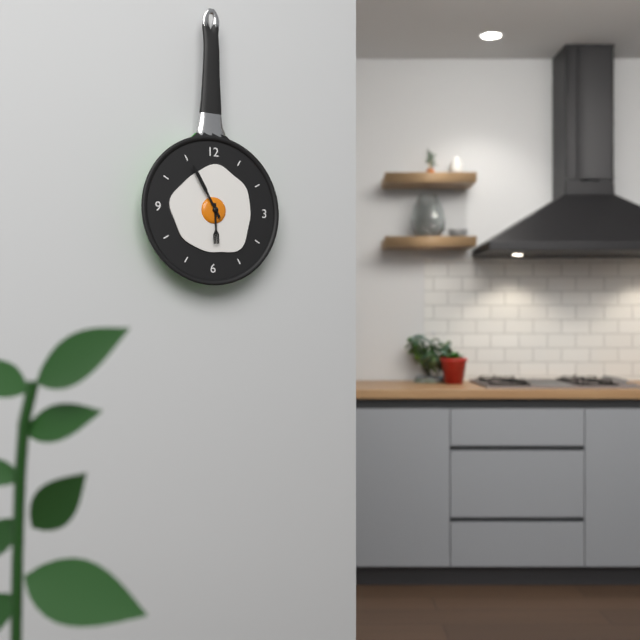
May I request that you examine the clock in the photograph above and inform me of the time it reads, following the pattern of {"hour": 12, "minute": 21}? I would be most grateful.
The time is {"hour": 5, "minute": 55}
